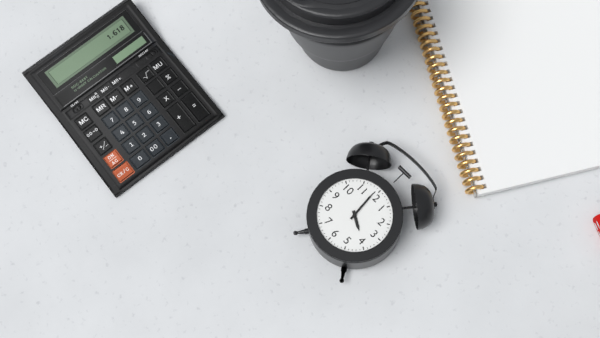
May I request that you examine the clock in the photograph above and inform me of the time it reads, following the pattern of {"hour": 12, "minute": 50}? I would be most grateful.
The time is {"hour": 3, "minute": 59}
